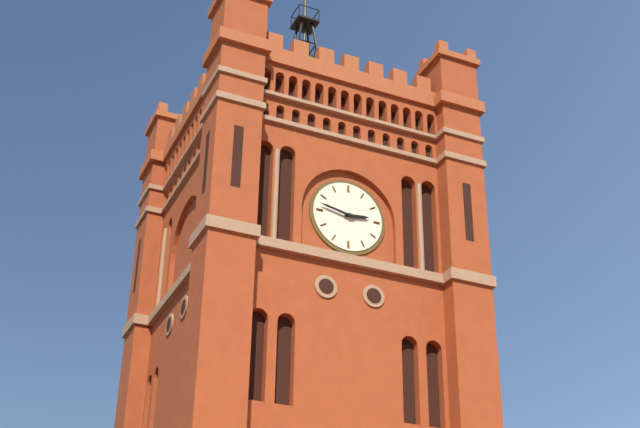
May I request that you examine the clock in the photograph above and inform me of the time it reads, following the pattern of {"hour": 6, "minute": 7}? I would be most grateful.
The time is {"hour": 2, "minute": 47}
